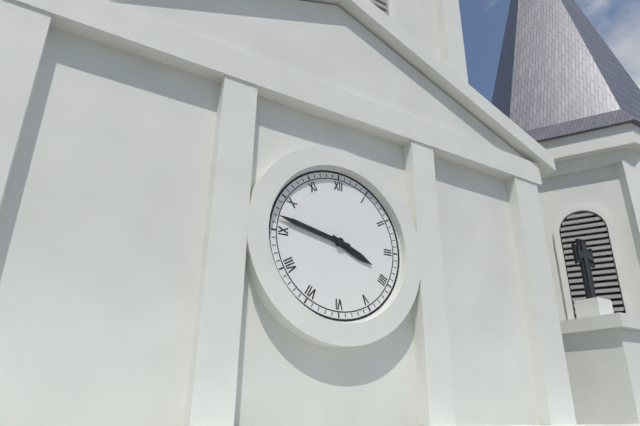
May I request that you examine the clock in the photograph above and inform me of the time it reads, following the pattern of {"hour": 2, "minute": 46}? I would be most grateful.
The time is {"hour": 3, "minute": 47}
